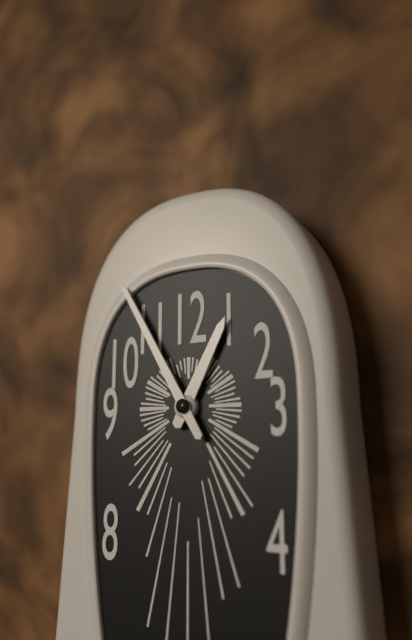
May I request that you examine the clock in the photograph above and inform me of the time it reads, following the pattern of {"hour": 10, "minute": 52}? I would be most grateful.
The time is {"hour": 12, "minute": 55}
